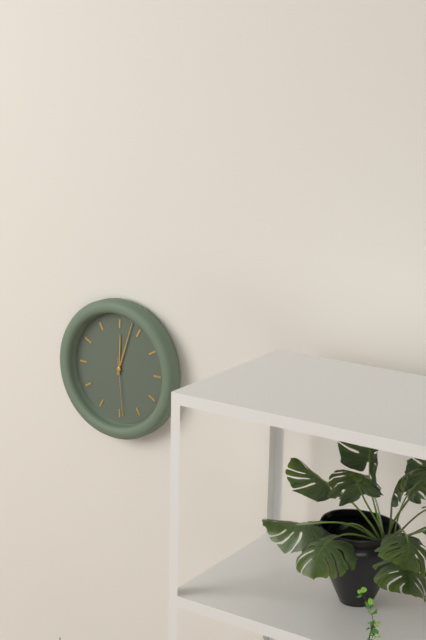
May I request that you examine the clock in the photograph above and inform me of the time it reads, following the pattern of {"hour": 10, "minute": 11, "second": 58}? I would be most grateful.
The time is {"hour": 12, "minute": 3, "second": 29}
